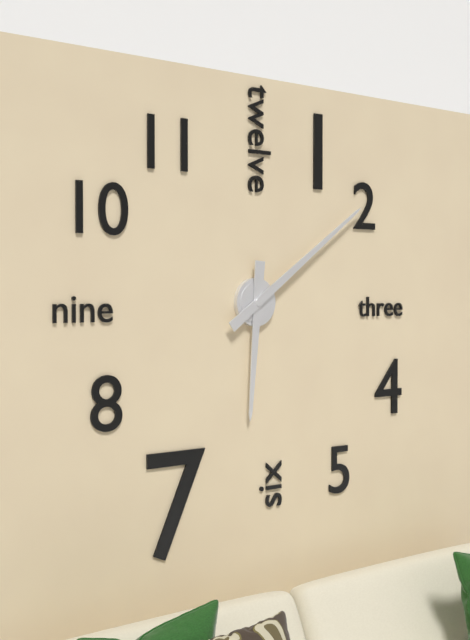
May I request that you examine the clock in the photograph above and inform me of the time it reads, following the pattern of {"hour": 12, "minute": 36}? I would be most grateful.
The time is {"hour": 6, "minute": 9}
